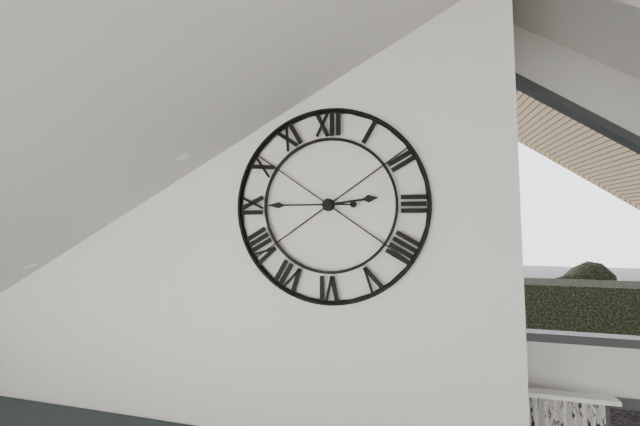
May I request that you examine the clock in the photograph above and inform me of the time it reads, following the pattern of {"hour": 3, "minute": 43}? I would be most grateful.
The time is {"hour": 2, "minute": 45}
